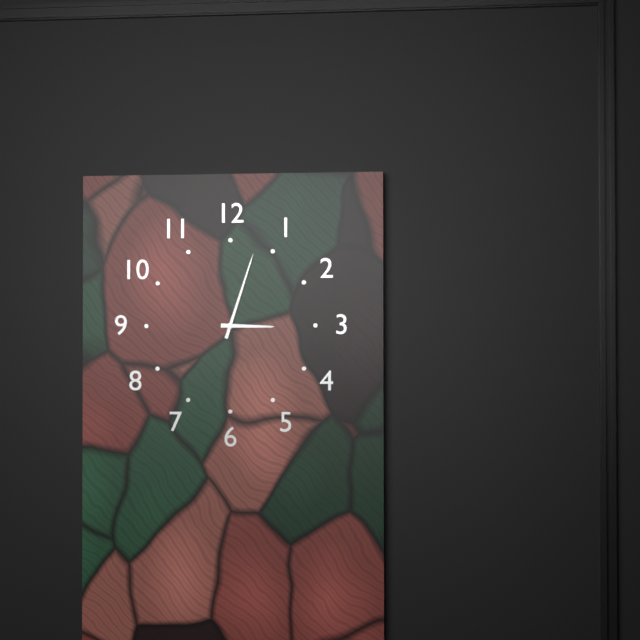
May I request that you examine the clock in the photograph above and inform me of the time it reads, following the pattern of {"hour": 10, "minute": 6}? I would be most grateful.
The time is {"hour": 3, "minute": 3}
